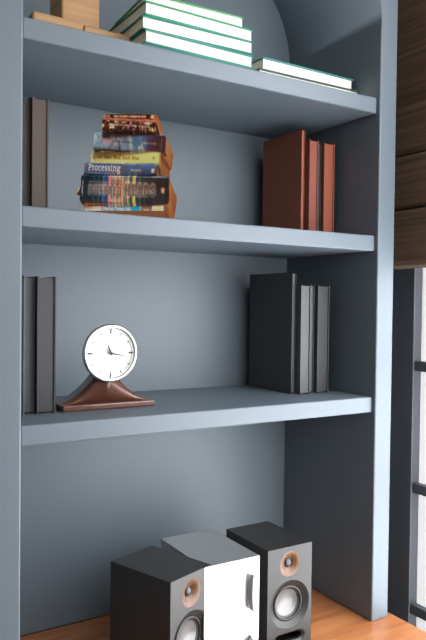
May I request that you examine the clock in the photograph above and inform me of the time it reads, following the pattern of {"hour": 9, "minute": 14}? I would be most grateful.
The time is {"hour": 11, "minute": 17}
